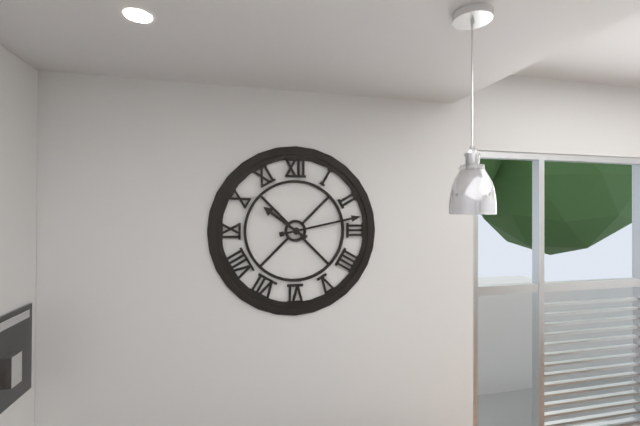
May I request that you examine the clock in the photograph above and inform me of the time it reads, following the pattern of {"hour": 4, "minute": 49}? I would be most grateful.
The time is {"hour": 10, "minute": 13}
